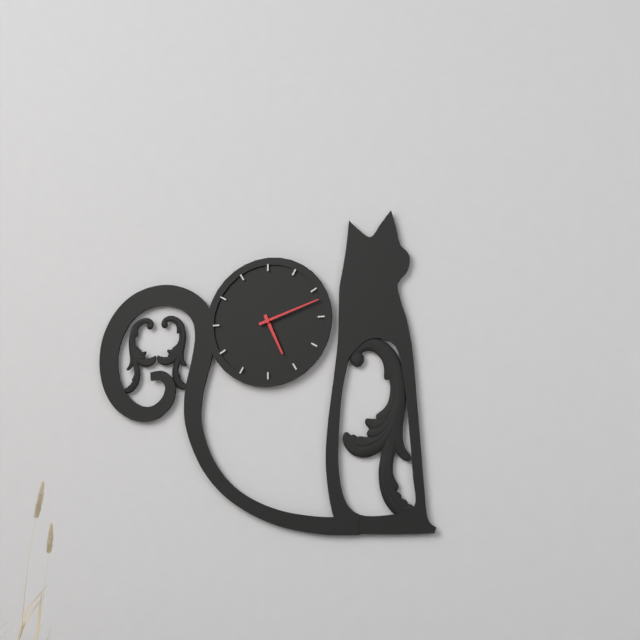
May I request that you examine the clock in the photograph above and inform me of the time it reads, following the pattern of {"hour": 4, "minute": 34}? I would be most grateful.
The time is {"hour": 5, "minute": 12}
